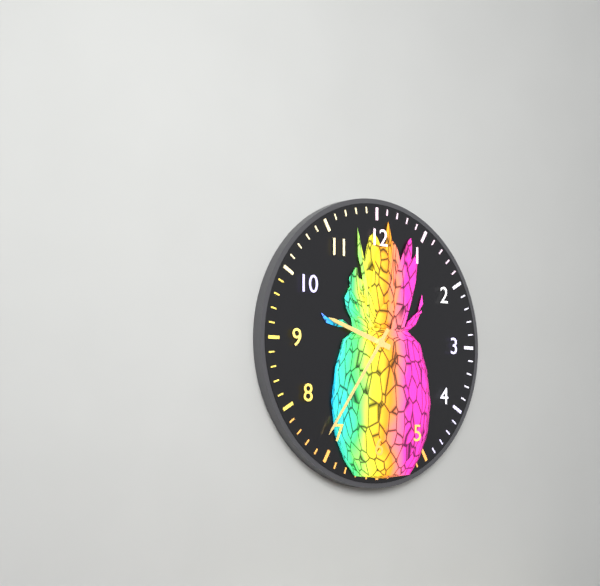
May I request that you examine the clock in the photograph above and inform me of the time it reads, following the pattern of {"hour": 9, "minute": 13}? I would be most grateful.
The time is {"hour": 9, "minute": 36}
